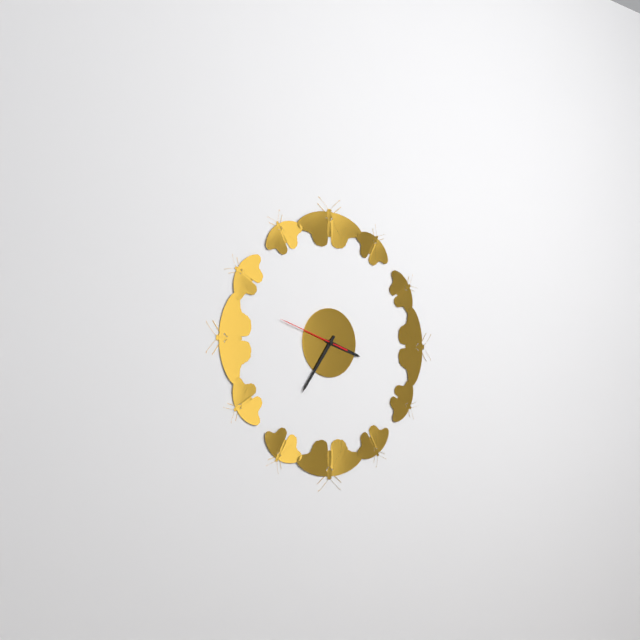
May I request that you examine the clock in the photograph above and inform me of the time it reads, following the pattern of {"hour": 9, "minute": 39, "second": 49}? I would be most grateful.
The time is {"hour": 3, "minute": 36, "second": 48}
